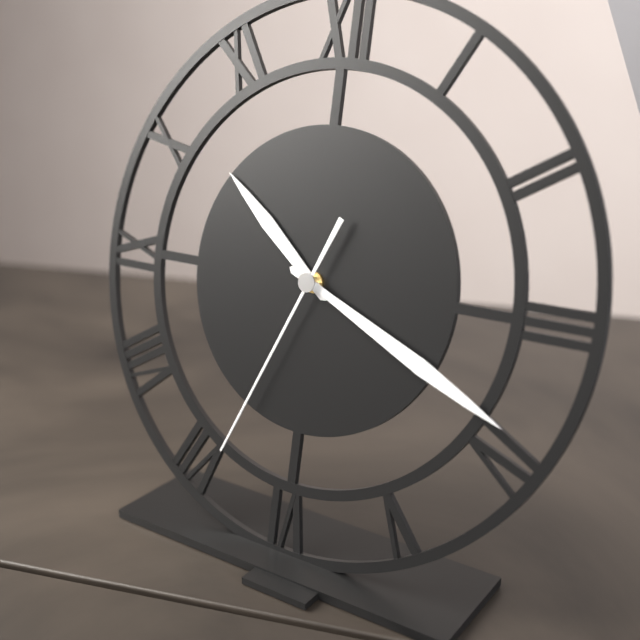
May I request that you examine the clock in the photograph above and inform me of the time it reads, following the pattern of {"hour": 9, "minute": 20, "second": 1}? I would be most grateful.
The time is {"hour": 10, "minute": 19, "second": 34}
